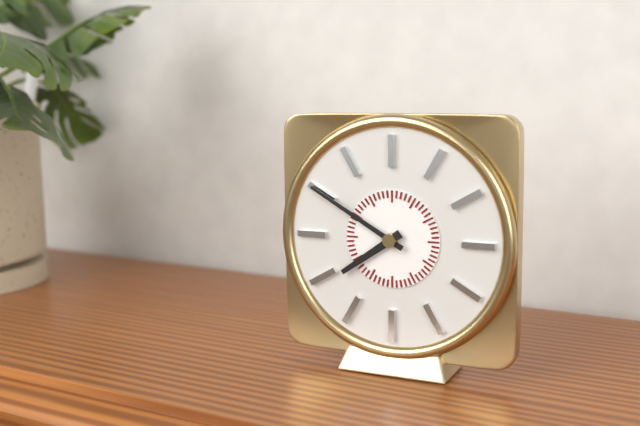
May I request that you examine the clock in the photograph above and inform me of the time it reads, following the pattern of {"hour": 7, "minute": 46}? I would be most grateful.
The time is {"hour": 7, "minute": 50}
